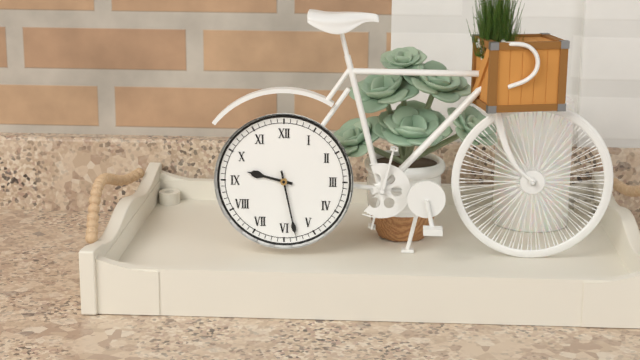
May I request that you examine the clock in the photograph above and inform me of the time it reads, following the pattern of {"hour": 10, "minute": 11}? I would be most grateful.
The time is {"hour": 9, "minute": 28}
